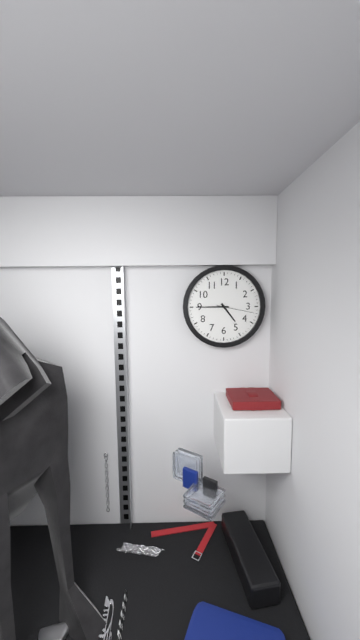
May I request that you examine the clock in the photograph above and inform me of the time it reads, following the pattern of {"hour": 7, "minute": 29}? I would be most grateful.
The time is {"hour": 4, "minute": 45}
